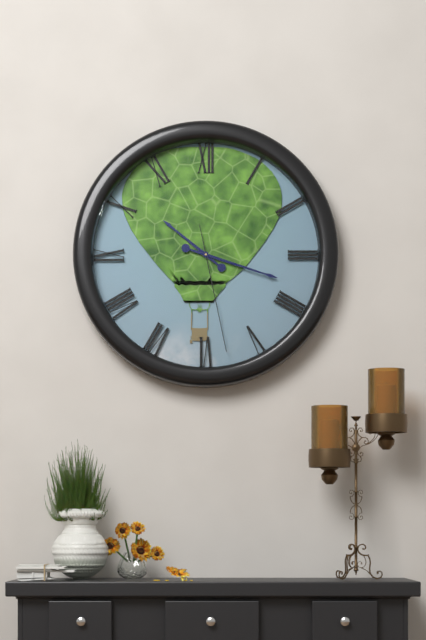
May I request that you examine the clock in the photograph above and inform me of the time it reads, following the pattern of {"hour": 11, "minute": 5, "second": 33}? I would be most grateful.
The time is {"hour": 10, "minute": 18, "second": 28}
